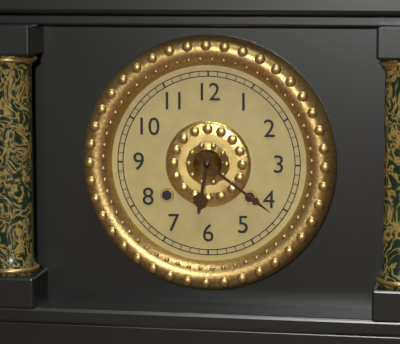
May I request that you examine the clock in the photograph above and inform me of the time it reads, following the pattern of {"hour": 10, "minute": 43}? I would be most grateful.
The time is {"hour": 6, "minute": 21}
